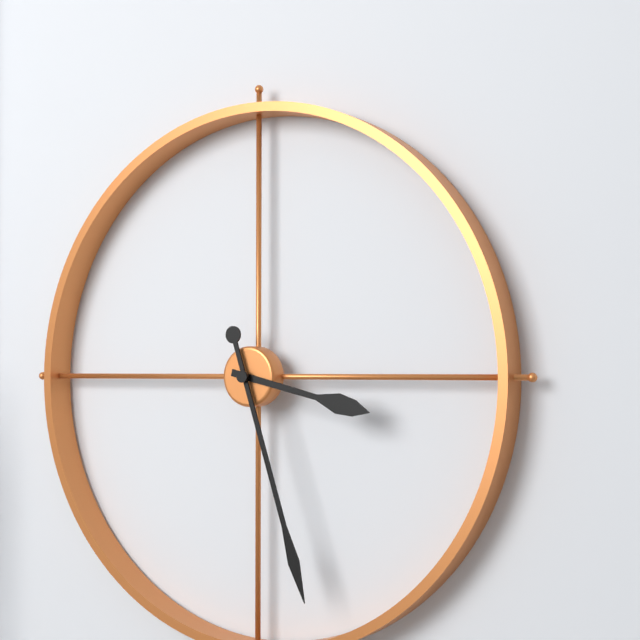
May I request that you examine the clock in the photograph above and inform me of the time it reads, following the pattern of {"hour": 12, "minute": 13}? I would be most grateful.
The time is {"hour": 3, "minute": 27}
